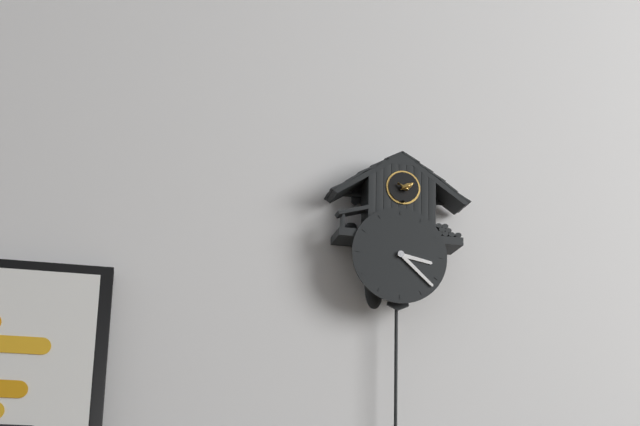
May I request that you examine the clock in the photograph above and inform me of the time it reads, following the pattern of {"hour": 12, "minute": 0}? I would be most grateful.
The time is {"hour": 3, "minute": 22}
